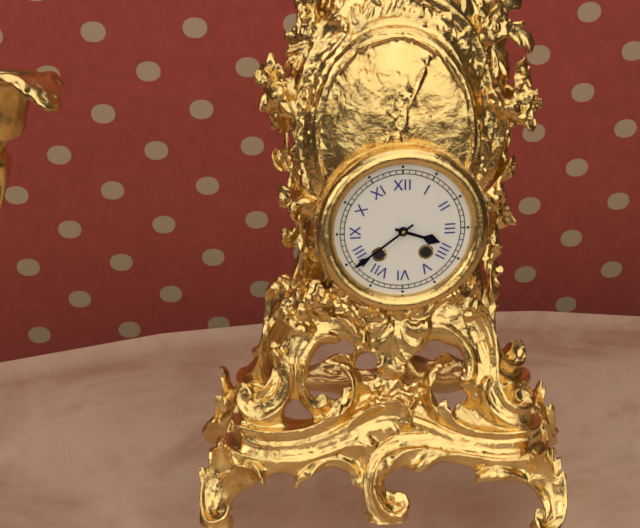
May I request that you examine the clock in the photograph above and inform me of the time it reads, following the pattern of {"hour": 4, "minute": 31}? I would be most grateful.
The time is {"hour": 3, "minute": 39}
